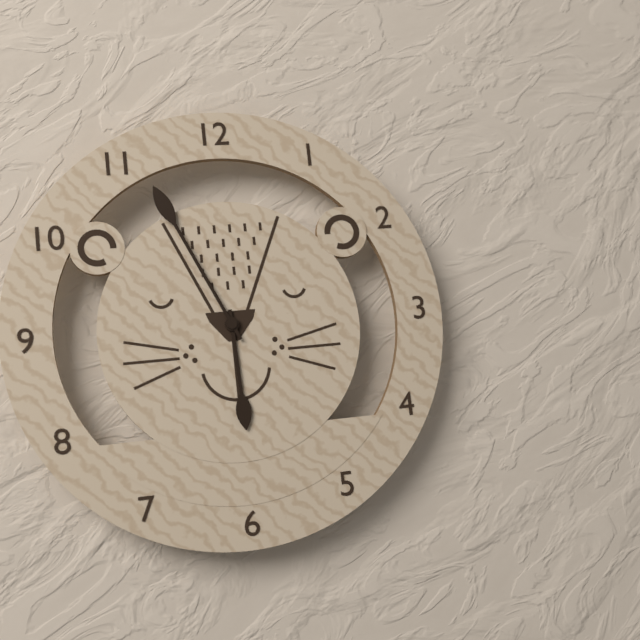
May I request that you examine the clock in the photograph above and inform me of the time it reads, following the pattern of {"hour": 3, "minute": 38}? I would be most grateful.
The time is {"hour": 5, "minute": 56}
